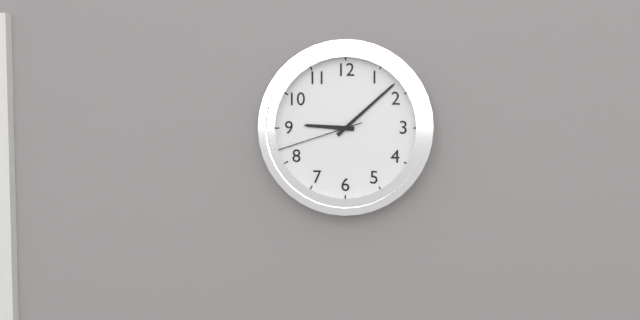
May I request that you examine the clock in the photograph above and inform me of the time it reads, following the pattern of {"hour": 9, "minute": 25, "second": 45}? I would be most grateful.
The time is {"hour": 9, "minute": 8, "second": 42}
